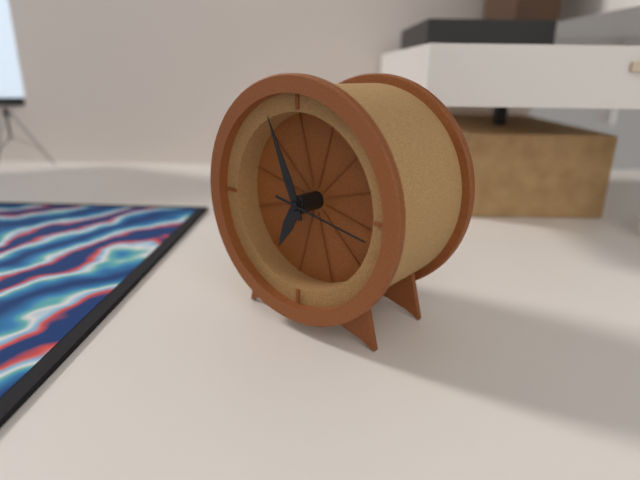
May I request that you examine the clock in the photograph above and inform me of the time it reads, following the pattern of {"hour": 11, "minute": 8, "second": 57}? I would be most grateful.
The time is {"hour": 6, "minute": 56, "second": 17}
